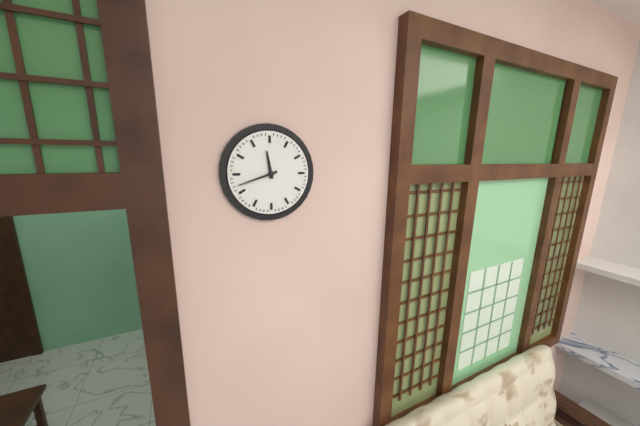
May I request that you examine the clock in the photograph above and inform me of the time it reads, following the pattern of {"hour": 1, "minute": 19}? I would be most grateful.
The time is {"hour": 11, "minute": 42}
